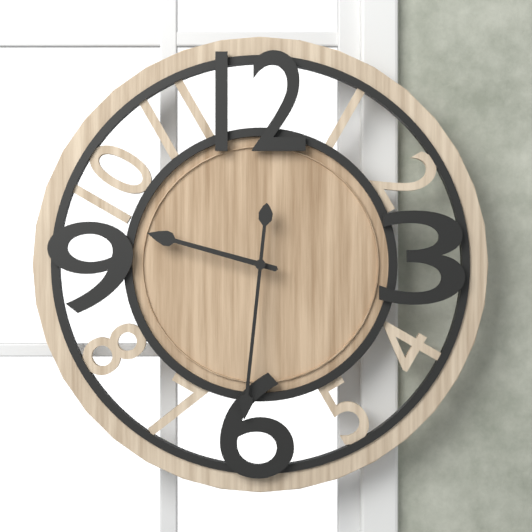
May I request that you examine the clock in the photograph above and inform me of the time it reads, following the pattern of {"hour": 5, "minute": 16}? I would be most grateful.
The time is {"hour": 9, "minute": 31}
